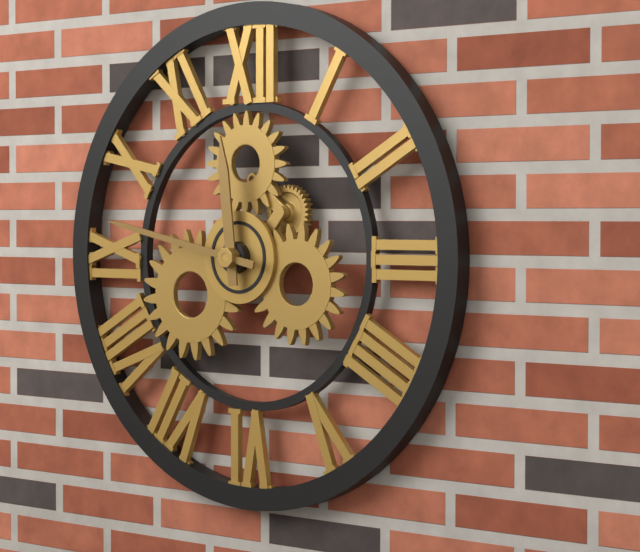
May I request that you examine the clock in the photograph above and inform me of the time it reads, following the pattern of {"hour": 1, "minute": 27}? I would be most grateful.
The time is {"hour": 11, "minute": 47}
